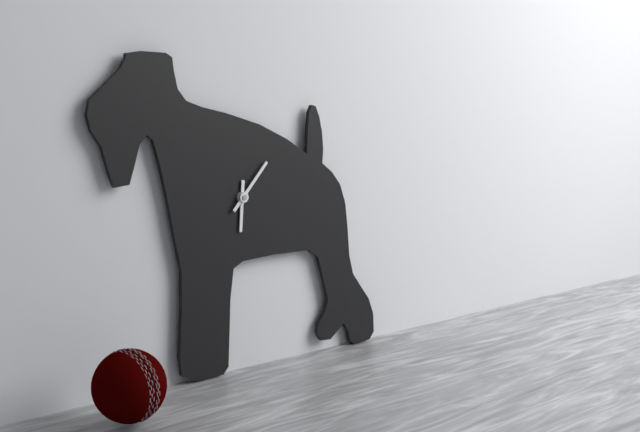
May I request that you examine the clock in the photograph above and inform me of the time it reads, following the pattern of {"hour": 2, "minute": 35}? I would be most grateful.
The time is {"hour": 6, "minute": 7}
